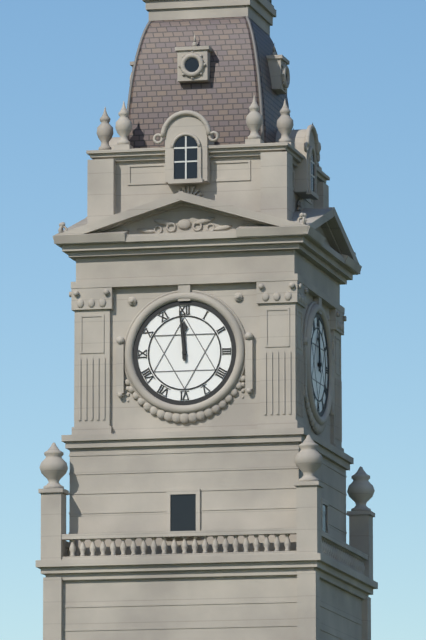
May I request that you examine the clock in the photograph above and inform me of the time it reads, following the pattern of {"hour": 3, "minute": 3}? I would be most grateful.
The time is {"hour": 11, "minute": 59}
